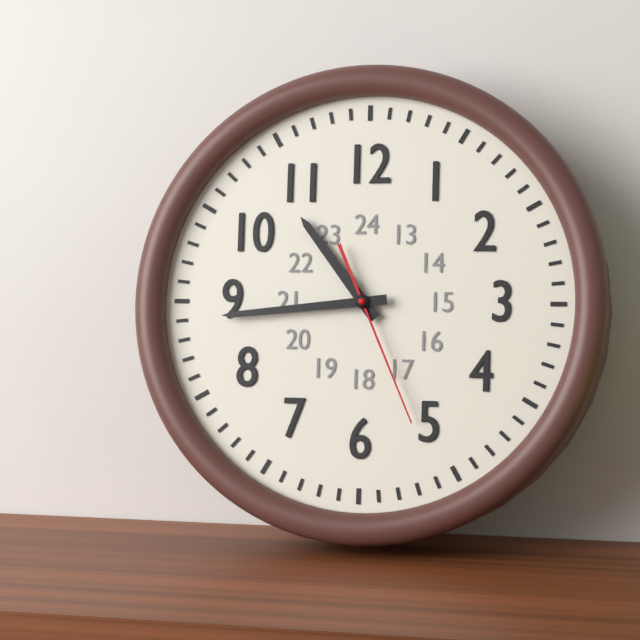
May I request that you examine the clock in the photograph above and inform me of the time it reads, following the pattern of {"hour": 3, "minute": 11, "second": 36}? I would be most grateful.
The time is {"hour": 10, "minute": 44, "second": 26}
